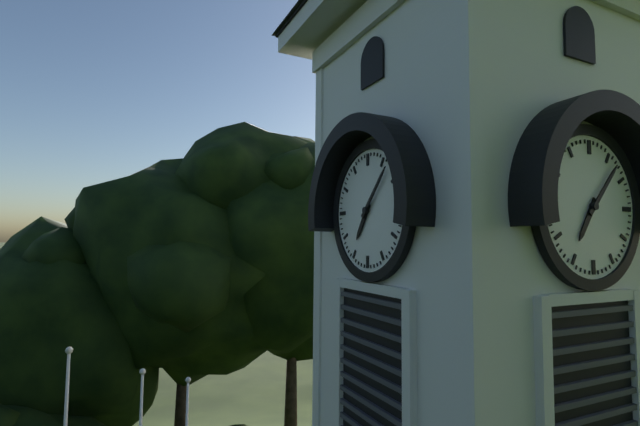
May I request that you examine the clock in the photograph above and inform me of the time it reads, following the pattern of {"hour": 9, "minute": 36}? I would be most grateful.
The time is {"hour": 7, "minute": 7}
